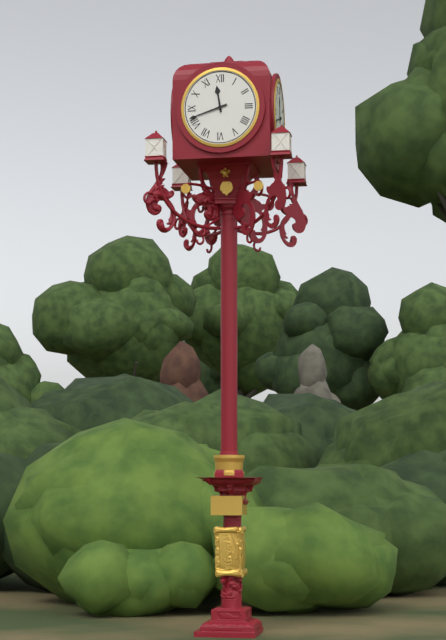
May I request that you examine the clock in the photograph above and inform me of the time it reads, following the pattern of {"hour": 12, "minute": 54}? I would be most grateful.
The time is {"hour": 11, "minute": 42}
